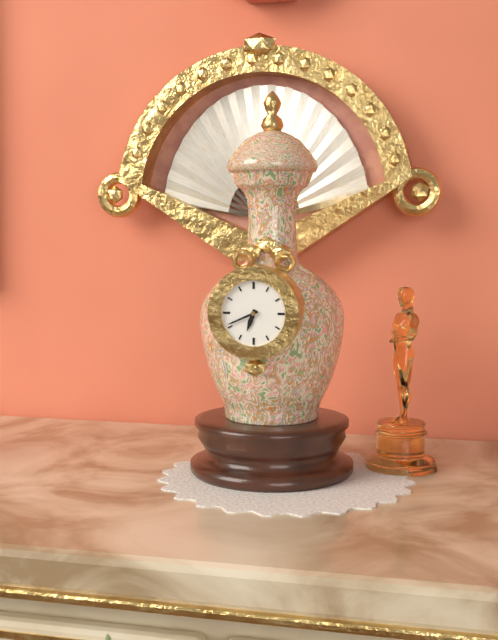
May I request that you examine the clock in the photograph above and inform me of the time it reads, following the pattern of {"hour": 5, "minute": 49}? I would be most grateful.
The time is {"hour": 6, "minute": 41}
